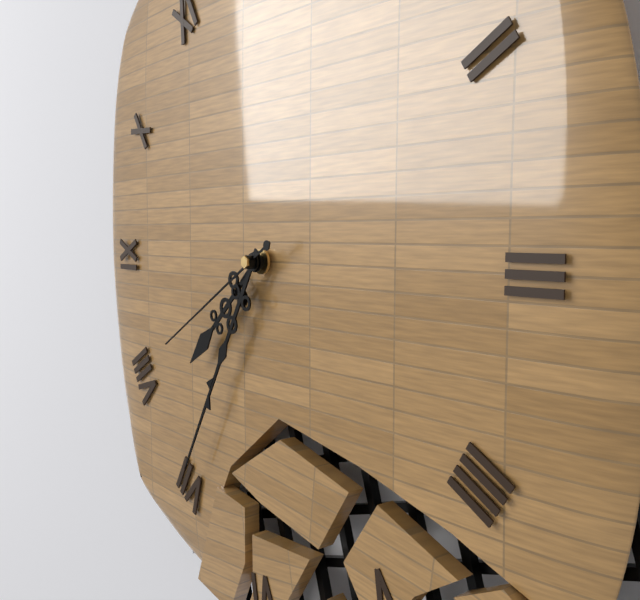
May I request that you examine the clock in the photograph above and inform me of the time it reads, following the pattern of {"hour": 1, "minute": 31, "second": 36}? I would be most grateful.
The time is {"hour": 7, "minute": 35, "second": 40}
